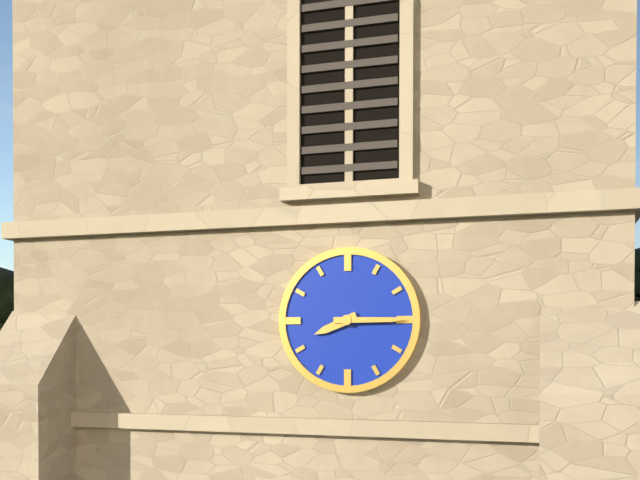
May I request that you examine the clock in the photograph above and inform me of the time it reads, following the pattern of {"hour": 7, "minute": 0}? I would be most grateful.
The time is {"hour": 8, "minute": 15}
